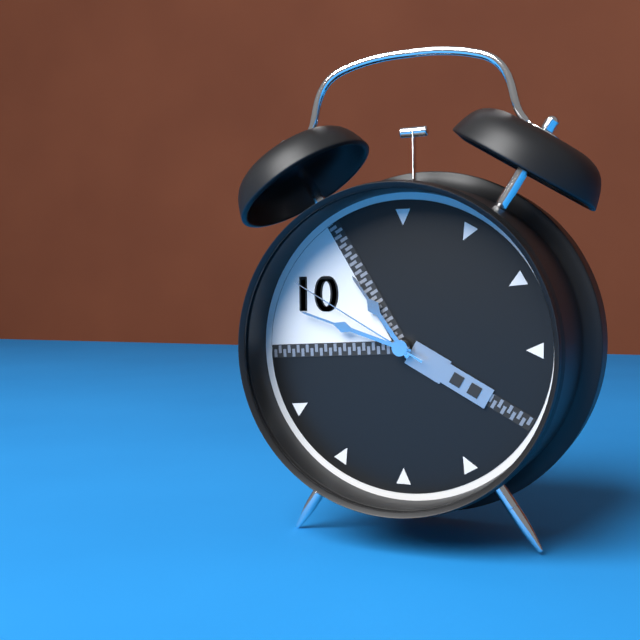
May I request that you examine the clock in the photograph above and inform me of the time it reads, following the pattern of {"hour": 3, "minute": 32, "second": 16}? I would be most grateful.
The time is {"hour": 10, "minute": 48, "second": 50}
